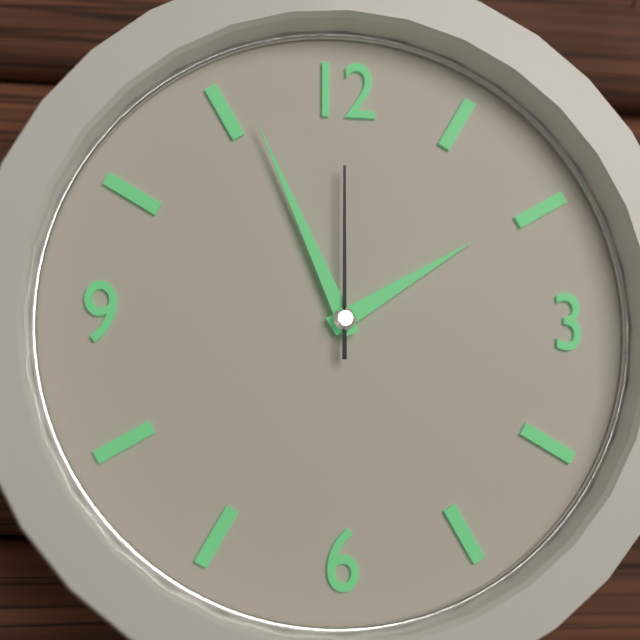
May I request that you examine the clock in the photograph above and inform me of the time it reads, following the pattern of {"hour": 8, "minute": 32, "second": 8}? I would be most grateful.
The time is {"hour": 1, "minute": 56, "second": 0}
